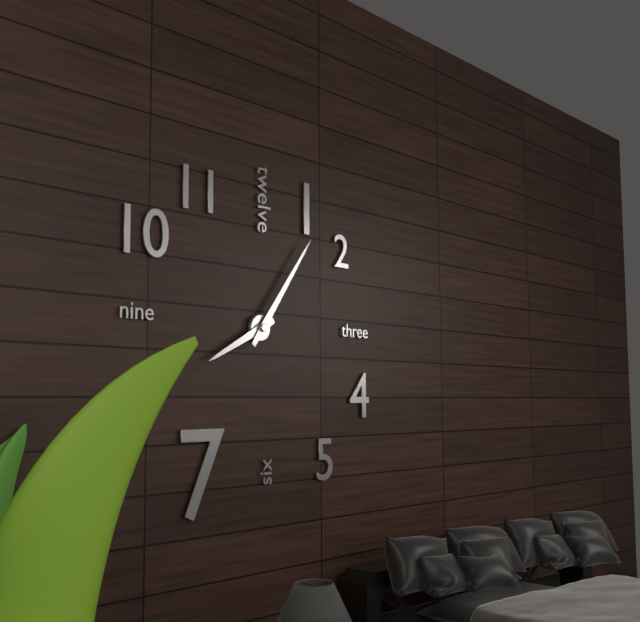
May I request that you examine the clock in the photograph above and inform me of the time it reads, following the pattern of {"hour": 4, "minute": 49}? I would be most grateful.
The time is {"hour": 8, "minute": 6}
